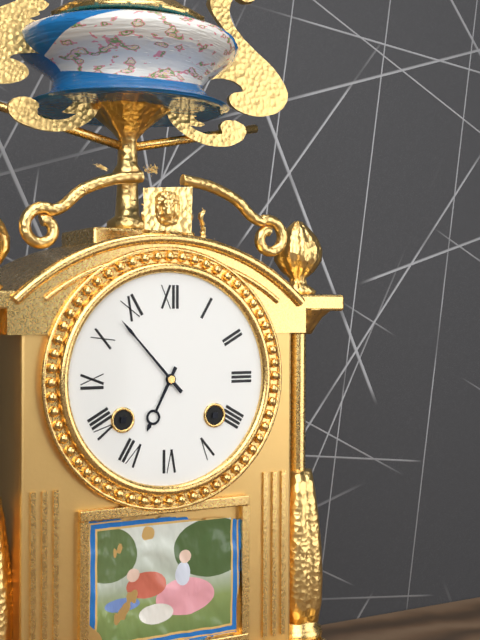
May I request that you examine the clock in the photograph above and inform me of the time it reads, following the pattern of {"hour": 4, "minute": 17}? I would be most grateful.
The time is {"hour": 6, "minute": 53}
